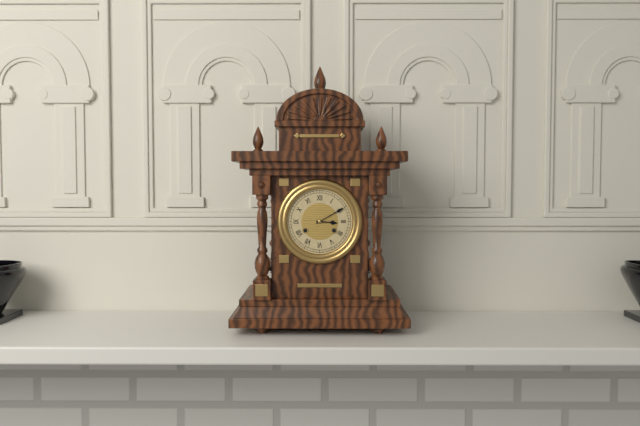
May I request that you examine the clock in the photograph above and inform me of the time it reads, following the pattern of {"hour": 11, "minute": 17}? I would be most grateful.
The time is {"hour": 3, "minute": 10}
